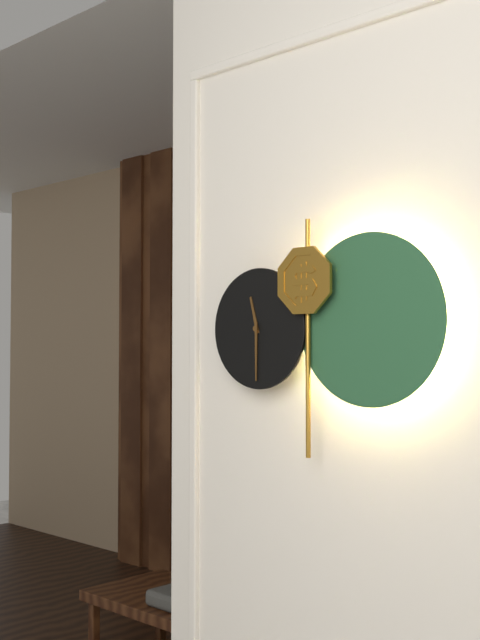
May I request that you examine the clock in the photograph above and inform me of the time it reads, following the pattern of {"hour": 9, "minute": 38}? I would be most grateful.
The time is {"hour": 11, "minute": 30}
